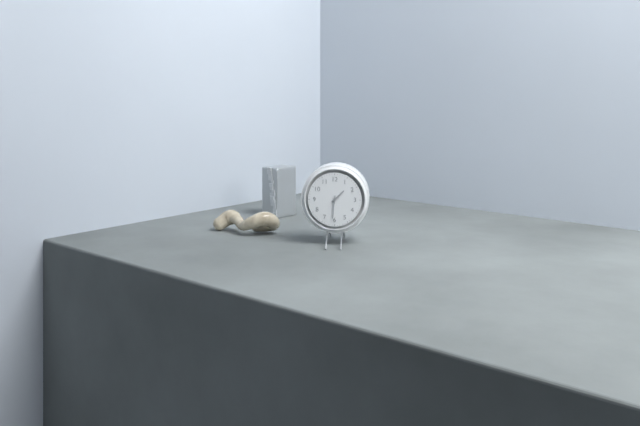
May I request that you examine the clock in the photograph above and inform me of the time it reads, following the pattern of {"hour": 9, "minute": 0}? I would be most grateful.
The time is {"hour": 1, "minute": 31}
